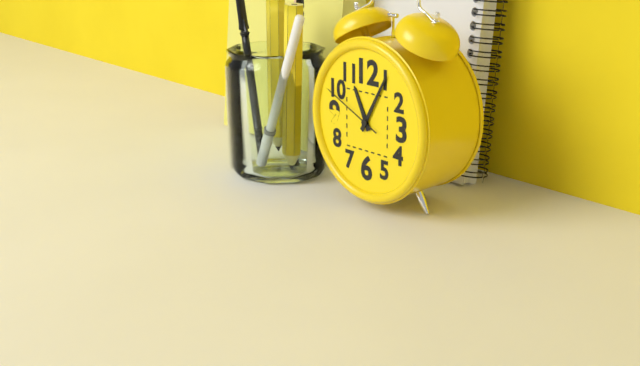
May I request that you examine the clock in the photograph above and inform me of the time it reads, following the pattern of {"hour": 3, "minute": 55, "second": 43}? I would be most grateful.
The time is {"hour": 11, "minute": 5, "second": 49}
